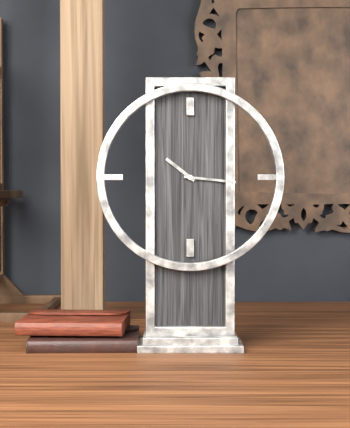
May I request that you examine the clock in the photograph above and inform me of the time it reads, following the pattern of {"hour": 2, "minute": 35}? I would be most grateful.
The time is {"hour": 10, "minute": 16}
